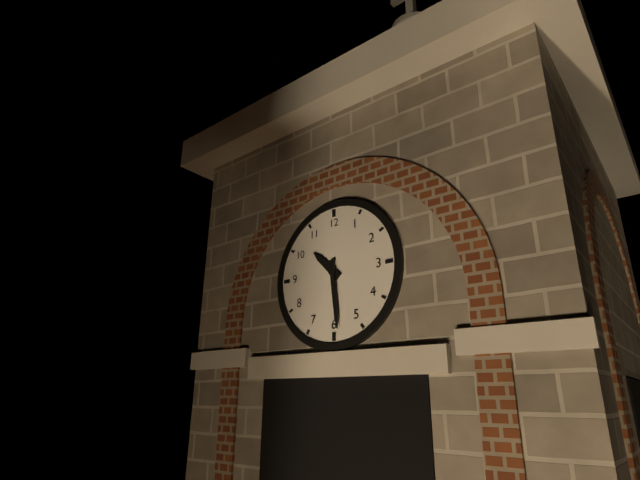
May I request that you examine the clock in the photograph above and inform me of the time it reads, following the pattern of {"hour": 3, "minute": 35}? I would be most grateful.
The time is {"hour": 10, "minute": 29}
